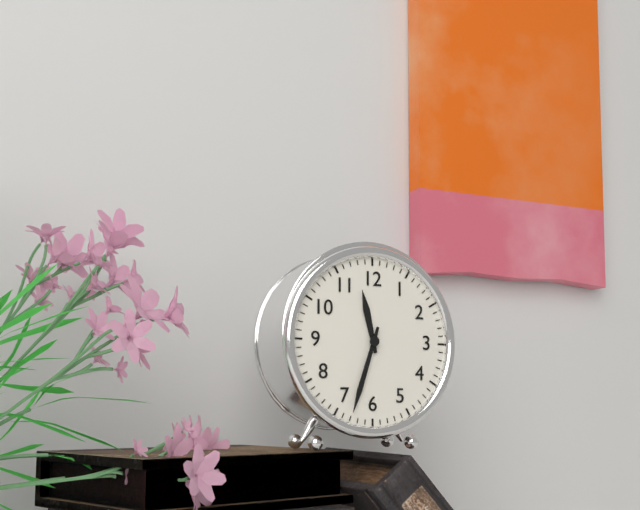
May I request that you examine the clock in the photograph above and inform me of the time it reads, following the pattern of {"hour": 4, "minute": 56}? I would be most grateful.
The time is {"hour": 11, "minute": 33}
